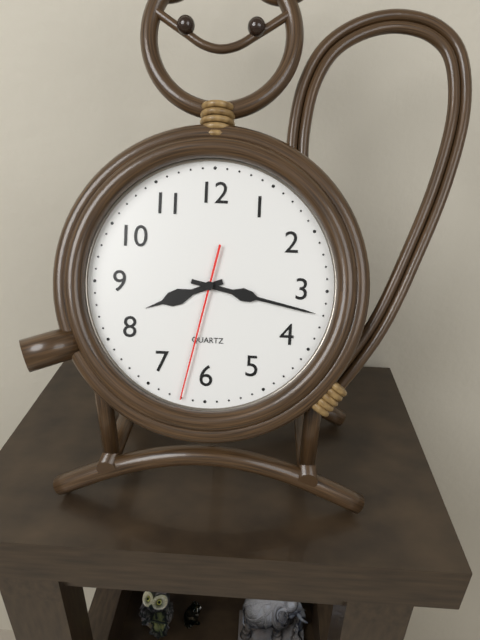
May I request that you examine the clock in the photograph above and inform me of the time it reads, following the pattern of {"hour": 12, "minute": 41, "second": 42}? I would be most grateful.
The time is {"hour": 8, "minute": 17, "second": 32}
